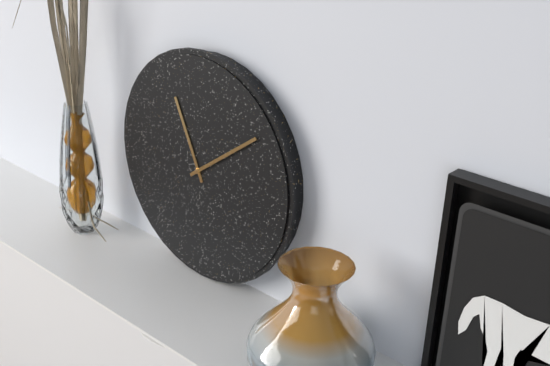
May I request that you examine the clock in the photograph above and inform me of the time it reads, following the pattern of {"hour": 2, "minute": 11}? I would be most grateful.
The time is {"hour": 11, "minute": 9}
